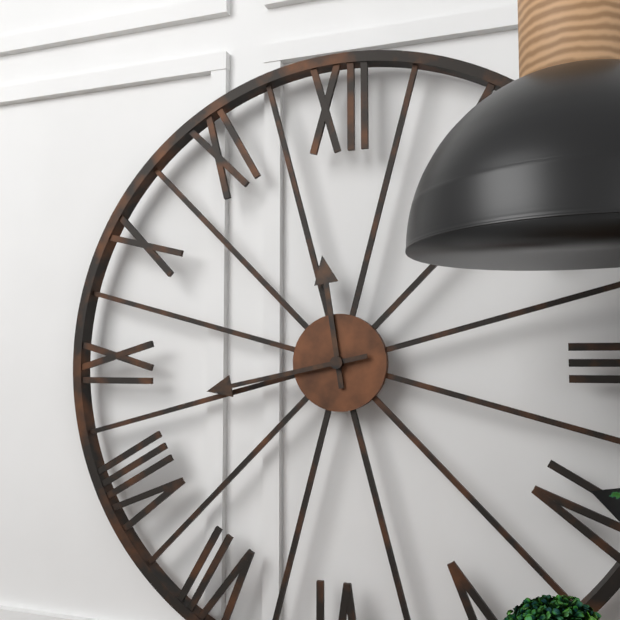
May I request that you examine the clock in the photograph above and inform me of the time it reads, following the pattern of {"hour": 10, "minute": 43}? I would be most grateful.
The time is {"hour": 11, "minute": 43}
